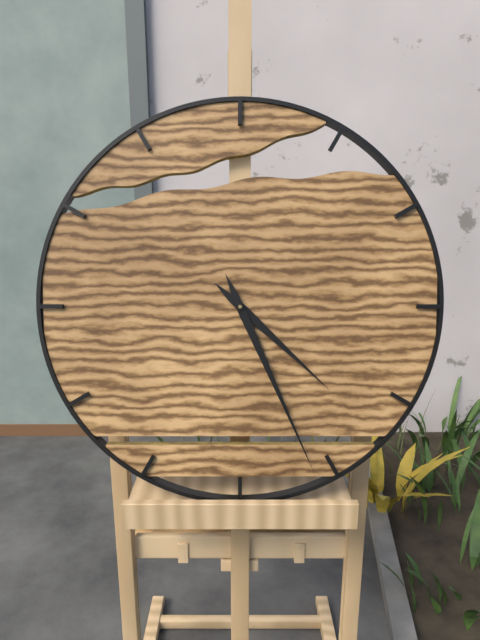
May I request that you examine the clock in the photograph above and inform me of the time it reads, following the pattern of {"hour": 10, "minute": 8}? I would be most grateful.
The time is {"hour": 4, "minute": 26}
